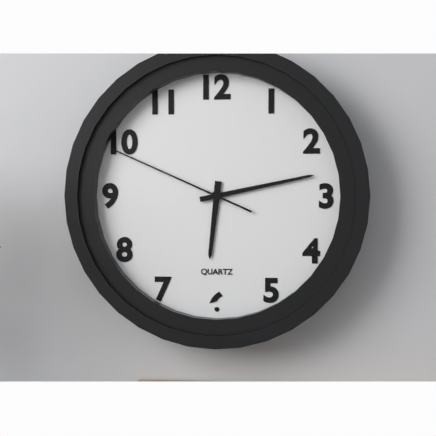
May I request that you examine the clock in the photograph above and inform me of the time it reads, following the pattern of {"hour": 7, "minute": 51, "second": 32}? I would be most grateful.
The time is {"hour": 6, "minute": 13, "second": 49}
